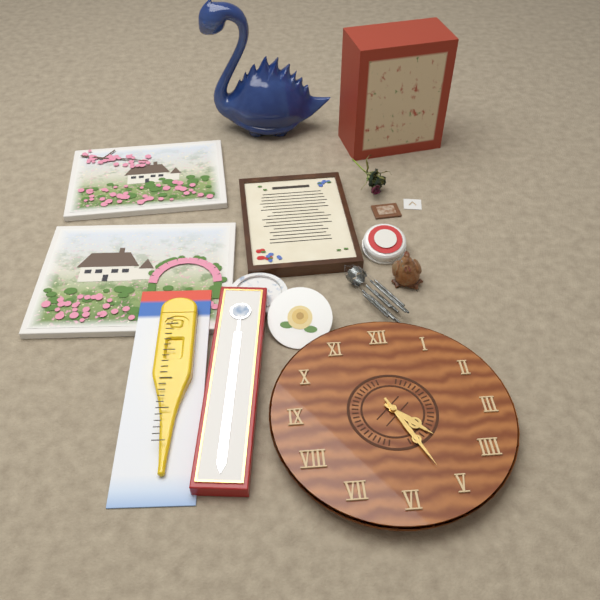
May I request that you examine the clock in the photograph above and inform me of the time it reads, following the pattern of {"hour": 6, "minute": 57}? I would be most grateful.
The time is {"hour": 4, "minute": 26}
